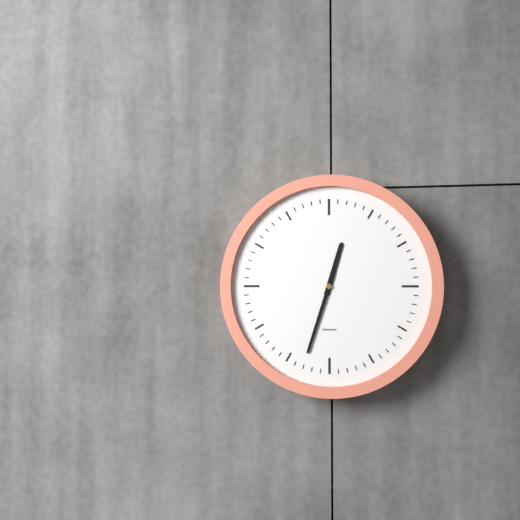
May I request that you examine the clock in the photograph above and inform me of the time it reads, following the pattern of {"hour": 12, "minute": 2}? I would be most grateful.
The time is {"hour": 12, "minute": 33}
